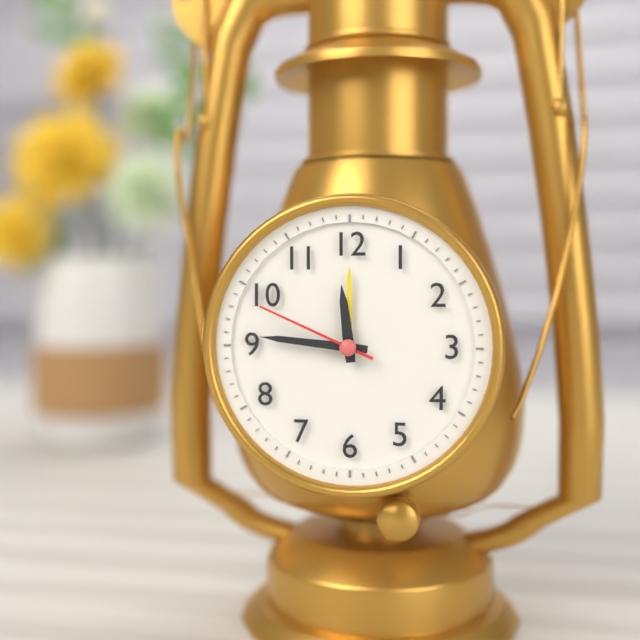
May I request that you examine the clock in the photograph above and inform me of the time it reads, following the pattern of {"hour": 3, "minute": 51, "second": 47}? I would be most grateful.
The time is {"hour": 11, "minute": 46, "second": 49}
